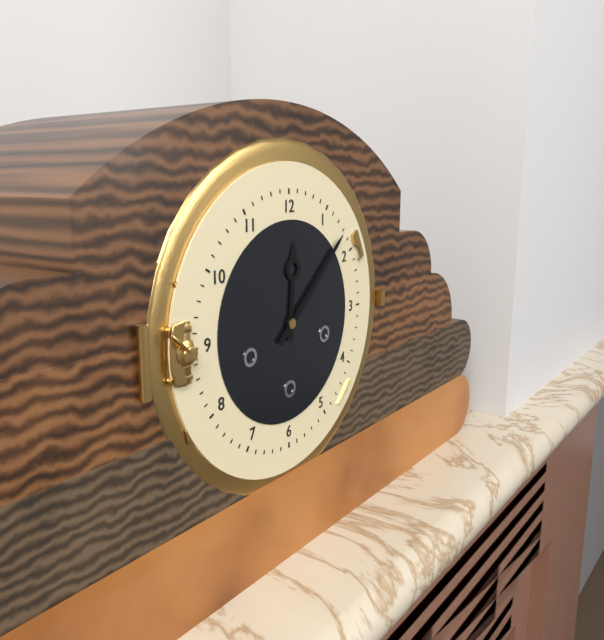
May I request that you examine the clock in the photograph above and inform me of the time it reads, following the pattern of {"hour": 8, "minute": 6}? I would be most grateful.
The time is {"hour": 12, "minute": 8}
